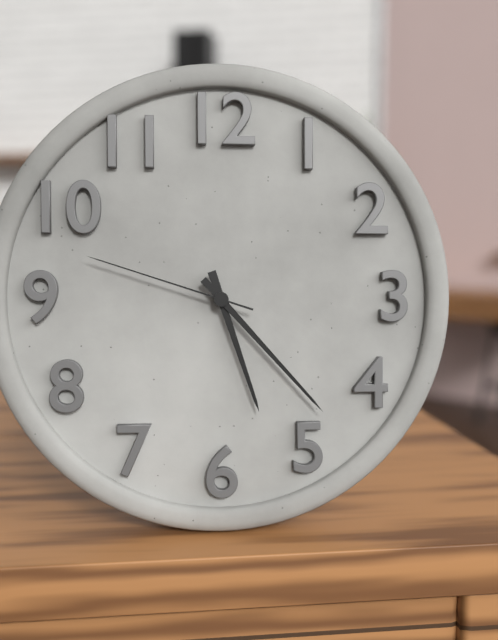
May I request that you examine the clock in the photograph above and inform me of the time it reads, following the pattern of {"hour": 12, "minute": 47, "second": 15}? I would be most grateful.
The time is {"hour": 5, "minute": 23, "second": 48}
